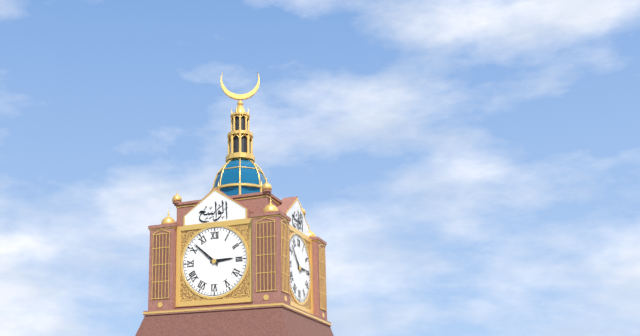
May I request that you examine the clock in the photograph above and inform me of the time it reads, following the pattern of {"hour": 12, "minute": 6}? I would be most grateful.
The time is {"hour": 2, "minute": 52}
